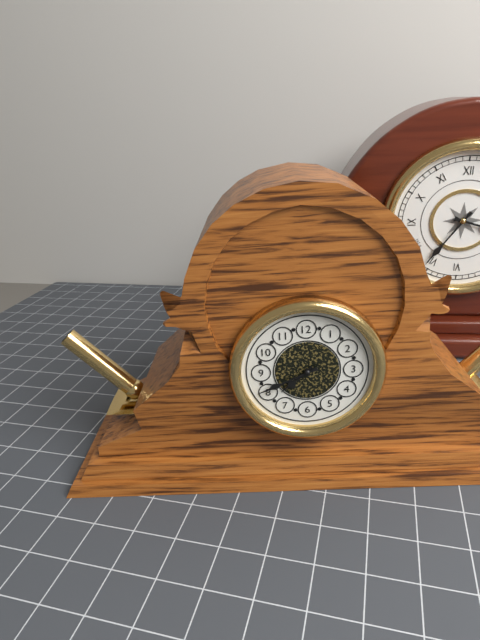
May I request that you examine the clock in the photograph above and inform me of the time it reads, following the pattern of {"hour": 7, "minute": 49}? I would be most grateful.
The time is {"hour": 7, "minute": 41}
